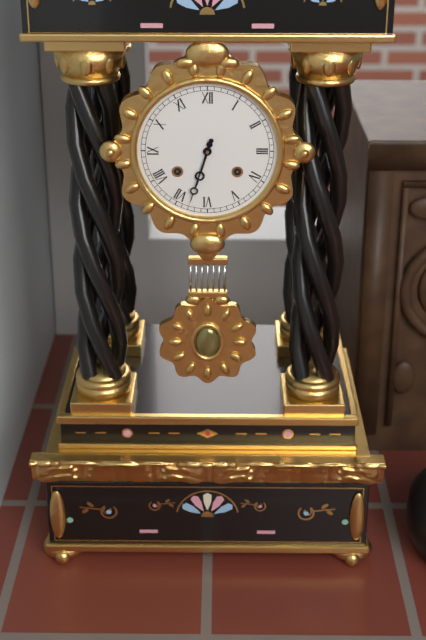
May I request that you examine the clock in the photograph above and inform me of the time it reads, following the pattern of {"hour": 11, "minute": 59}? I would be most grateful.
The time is {"hour": 6, "minute": 33}
